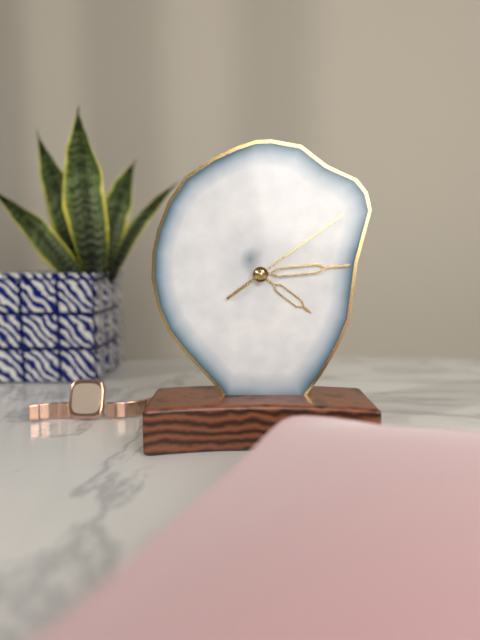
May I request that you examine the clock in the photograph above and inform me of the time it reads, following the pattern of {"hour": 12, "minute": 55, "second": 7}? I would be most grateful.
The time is {"hour": 4, "minute": 14, "second": 9}
